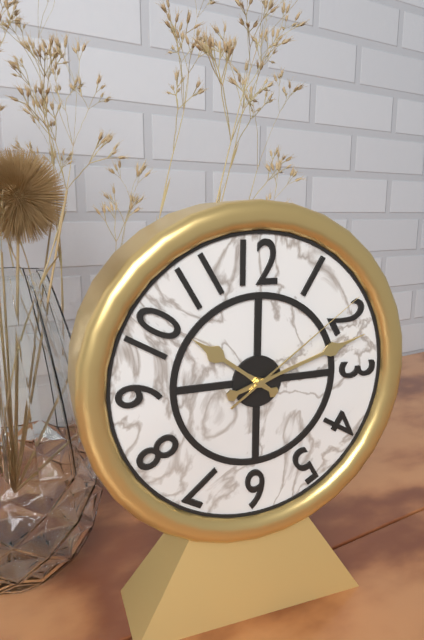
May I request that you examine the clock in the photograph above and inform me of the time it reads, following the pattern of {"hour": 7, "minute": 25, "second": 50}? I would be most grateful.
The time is {"hour": 10, "minute": 12, "second": 9}
